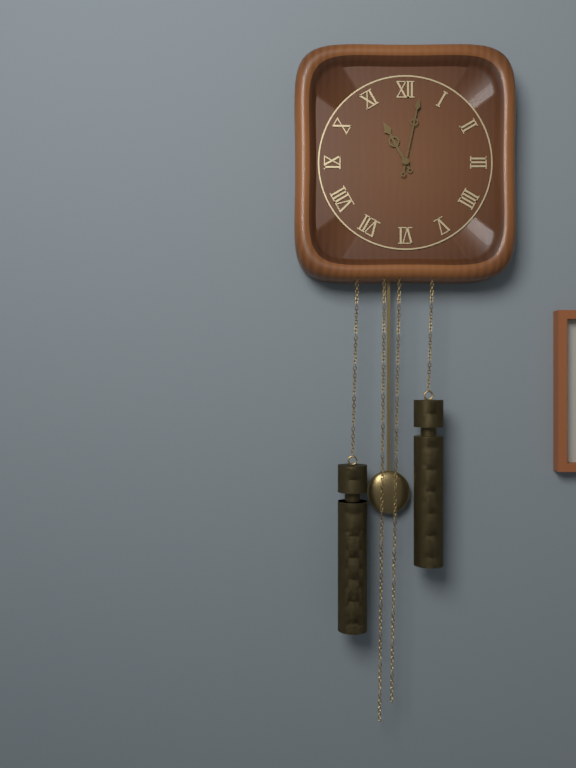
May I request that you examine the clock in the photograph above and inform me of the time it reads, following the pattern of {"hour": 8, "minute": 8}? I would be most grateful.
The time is {"hour": 11, "minute": 2}
